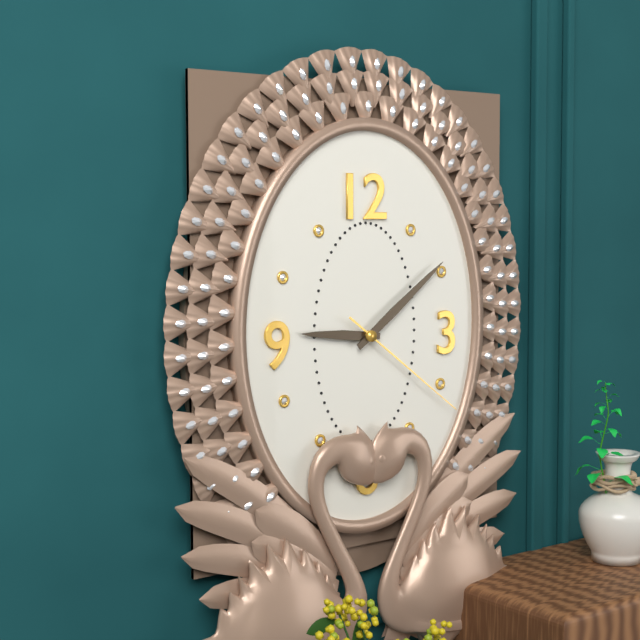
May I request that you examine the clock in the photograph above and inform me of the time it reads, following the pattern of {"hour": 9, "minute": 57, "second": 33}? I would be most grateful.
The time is {"hour": 9, "minute": 9, "second": 21}
